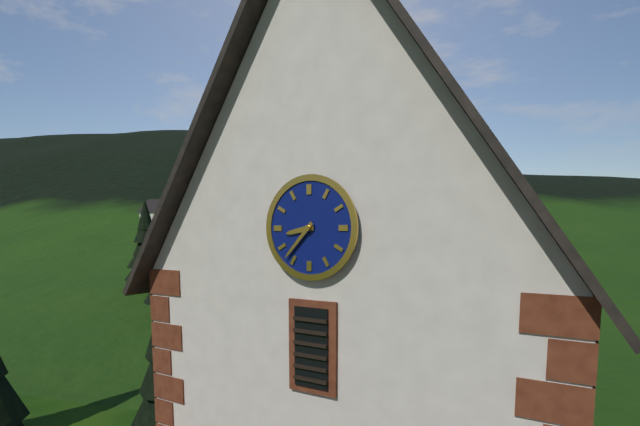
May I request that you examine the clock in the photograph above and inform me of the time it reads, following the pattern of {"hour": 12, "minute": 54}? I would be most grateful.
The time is {"hour": 8, "minute": 37}
